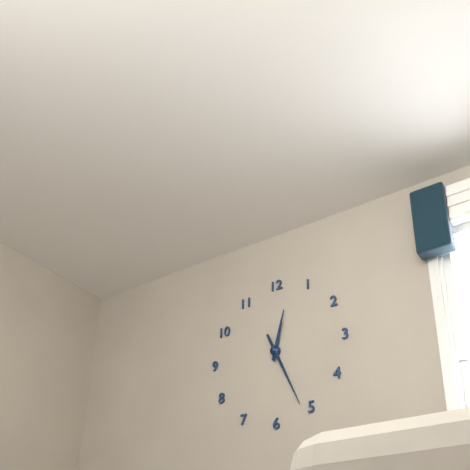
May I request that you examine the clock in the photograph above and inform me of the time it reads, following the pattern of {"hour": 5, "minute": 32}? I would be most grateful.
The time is {"hour": 12, "minute": 26}
